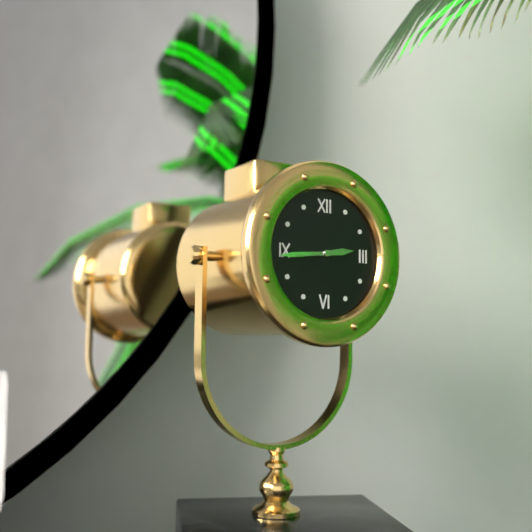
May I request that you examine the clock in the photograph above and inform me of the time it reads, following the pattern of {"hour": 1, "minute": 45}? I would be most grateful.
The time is {"hour": 2, "minute": 44}
